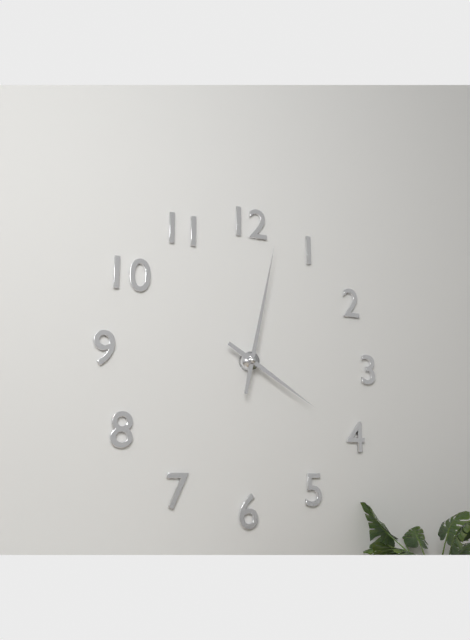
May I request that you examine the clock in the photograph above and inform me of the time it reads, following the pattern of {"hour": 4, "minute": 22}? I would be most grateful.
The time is {"hour": 4, "minute": 2}
